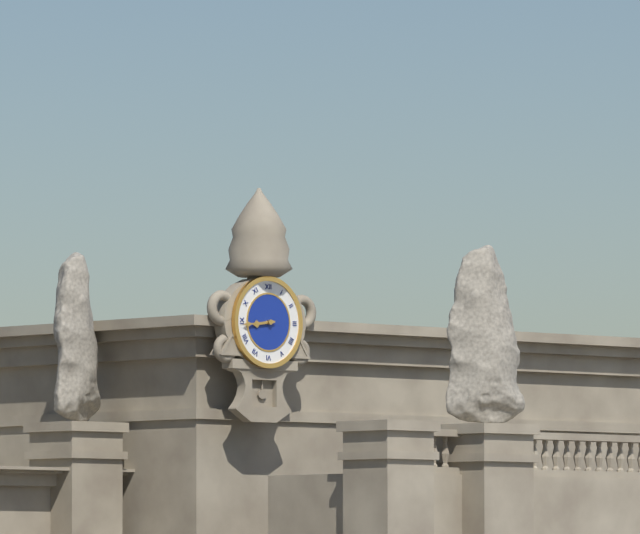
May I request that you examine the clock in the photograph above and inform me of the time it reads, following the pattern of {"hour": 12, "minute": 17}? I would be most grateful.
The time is {"hour": 8, "minute": 44}
